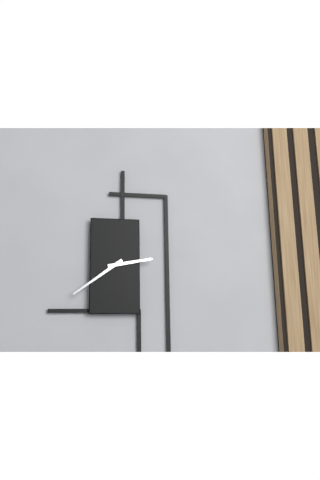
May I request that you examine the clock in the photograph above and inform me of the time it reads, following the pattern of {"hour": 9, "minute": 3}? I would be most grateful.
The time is {"hour": 2, "minute": 39}
